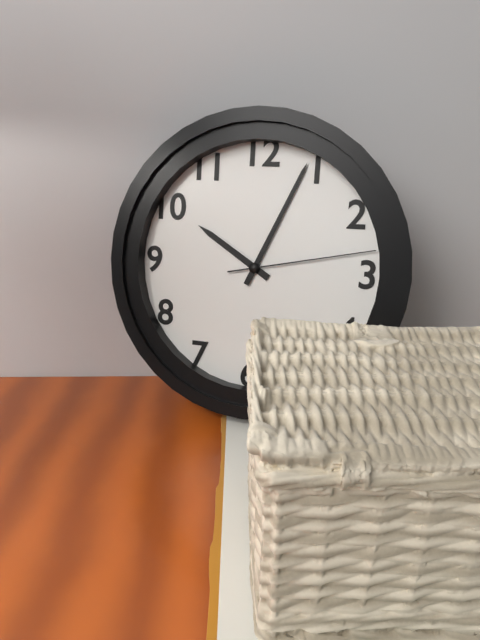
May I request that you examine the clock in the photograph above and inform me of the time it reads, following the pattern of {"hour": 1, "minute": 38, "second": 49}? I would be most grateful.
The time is {"hour": 10, "minute": 4, "second": 13}
